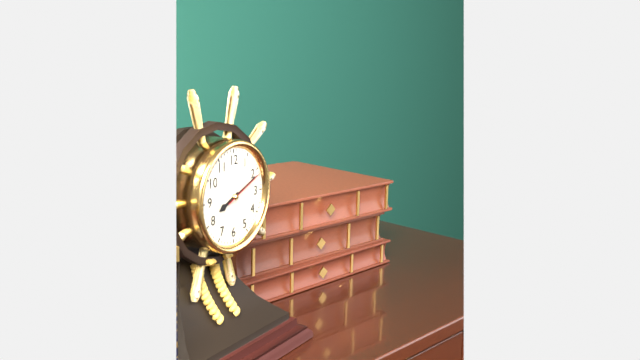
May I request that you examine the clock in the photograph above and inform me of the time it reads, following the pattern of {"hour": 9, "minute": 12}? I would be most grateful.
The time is {"hour": 8, "minute": 11}
